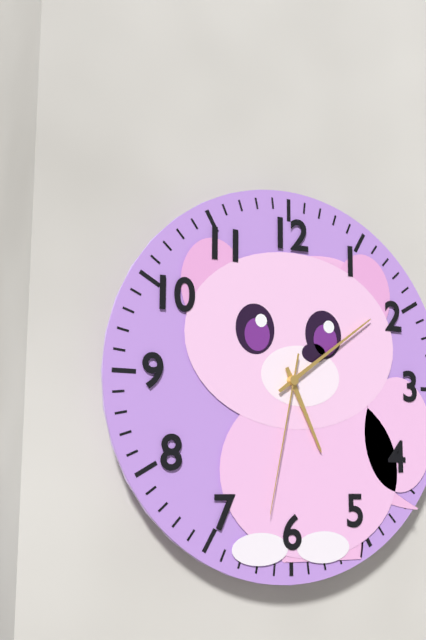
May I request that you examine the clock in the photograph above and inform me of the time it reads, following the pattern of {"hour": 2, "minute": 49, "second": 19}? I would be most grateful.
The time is {"hour": 5, "minute": 9, "second": 32}
